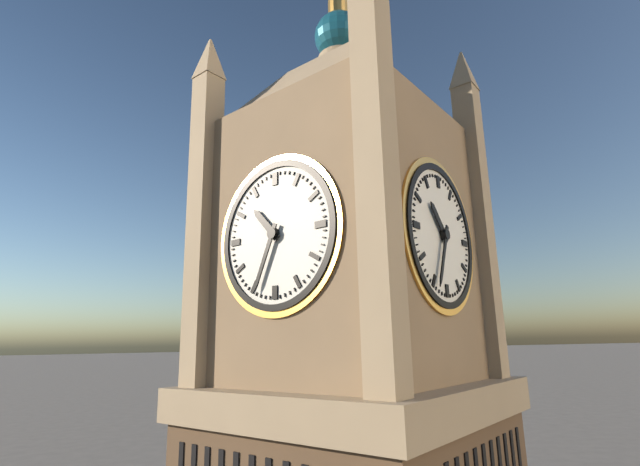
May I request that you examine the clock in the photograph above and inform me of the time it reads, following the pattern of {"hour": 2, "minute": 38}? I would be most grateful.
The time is {"hour": 10, "minute": 34}
